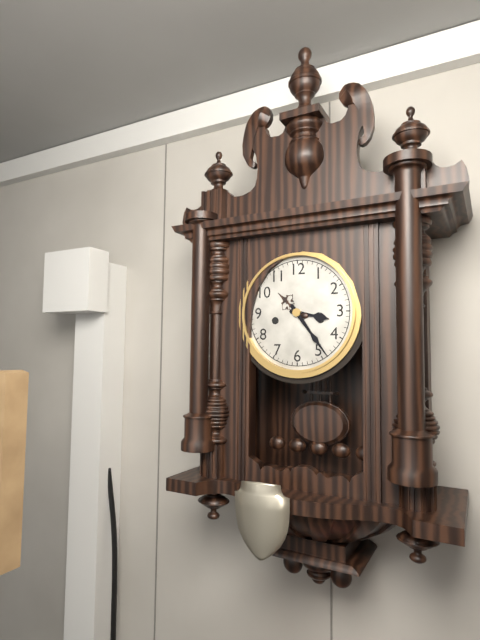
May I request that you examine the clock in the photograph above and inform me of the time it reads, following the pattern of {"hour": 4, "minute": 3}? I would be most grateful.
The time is {"hour": 3, "minute": 24}
